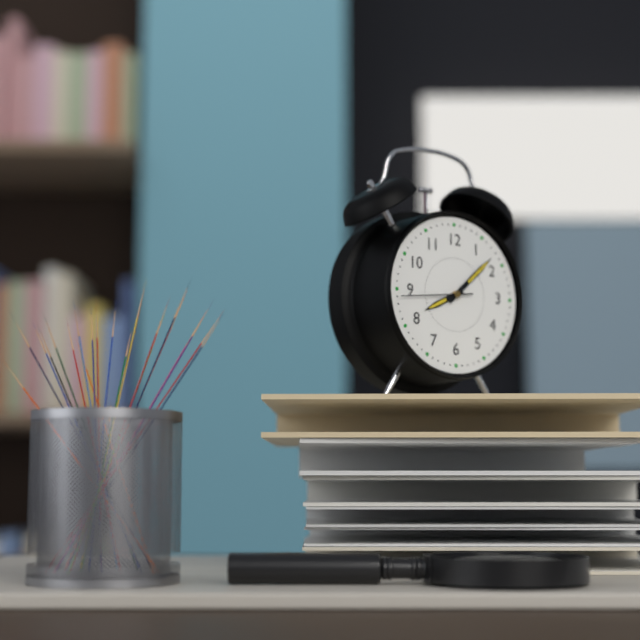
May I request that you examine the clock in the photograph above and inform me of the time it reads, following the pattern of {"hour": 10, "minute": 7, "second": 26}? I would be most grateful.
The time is {"hour": 8, "minute": 8, "second": 44}
